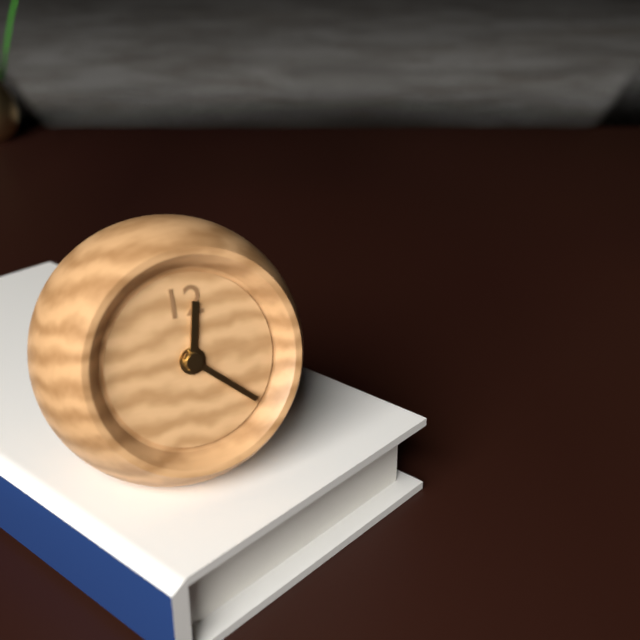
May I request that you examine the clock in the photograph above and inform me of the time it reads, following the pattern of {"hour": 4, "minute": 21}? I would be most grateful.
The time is {"hour": 12, "minute": 22}
